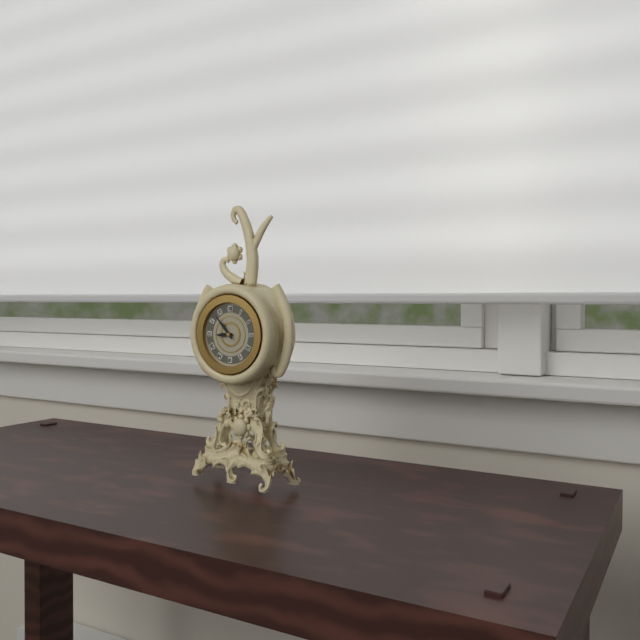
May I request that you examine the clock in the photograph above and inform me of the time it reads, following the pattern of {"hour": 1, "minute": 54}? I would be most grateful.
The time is {"hour": 8, "minute": 53}
